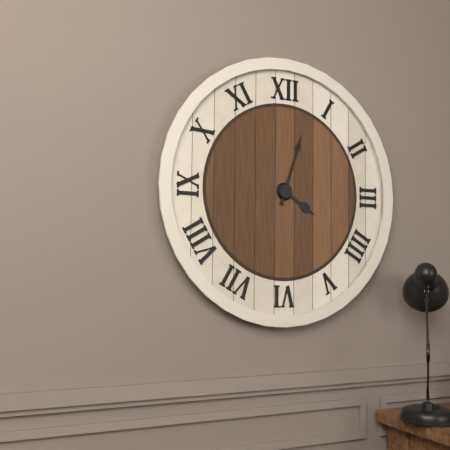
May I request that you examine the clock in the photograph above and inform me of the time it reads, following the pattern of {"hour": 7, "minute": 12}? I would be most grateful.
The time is {"hour": 4, "minute": 3}
